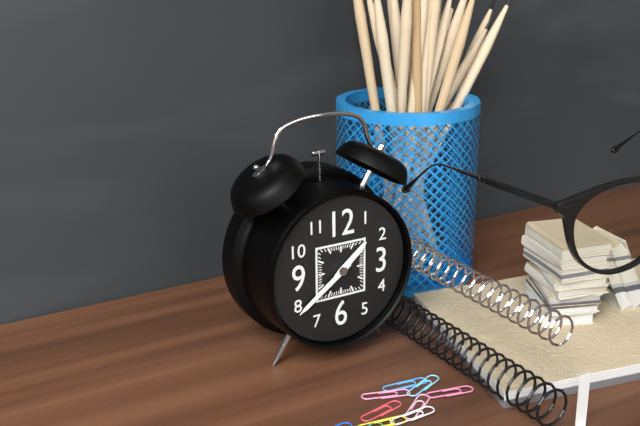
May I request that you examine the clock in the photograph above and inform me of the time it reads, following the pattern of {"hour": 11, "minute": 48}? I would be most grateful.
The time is {"hour": 1, "minute": 39}
